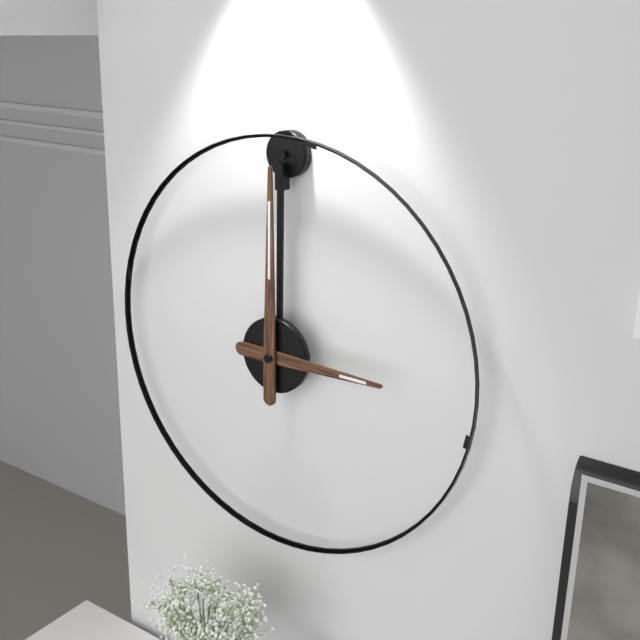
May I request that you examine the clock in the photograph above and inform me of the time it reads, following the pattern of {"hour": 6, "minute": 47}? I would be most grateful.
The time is {"hour": 3, "minute": 0}
